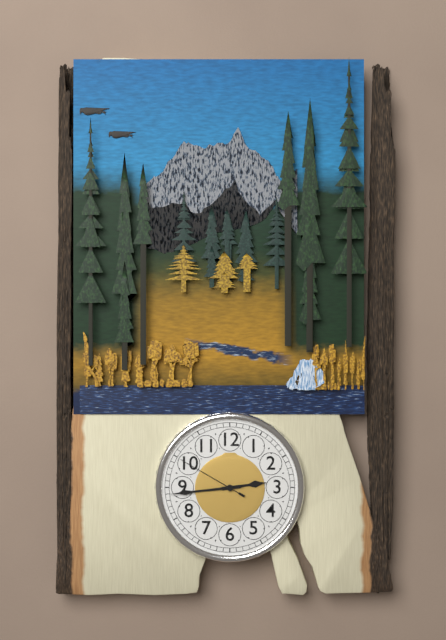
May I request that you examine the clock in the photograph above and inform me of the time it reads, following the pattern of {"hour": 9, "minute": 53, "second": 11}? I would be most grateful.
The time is {"hour": 2, "minute": 44, "second": 50}
